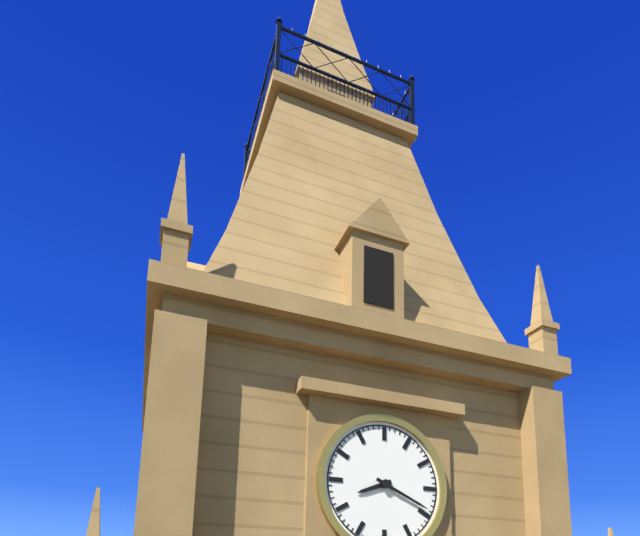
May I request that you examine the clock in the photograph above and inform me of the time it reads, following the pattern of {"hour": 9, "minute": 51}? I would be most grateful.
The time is {"hour": 8, "minute": 19}
